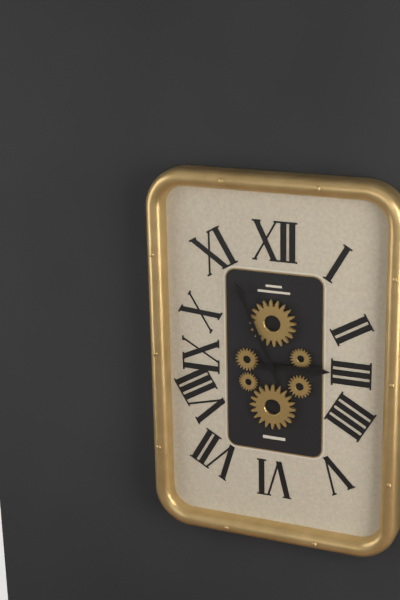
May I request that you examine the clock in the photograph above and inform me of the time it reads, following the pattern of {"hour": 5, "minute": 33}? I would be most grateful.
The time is {"hour": 2, "minute": 56}
